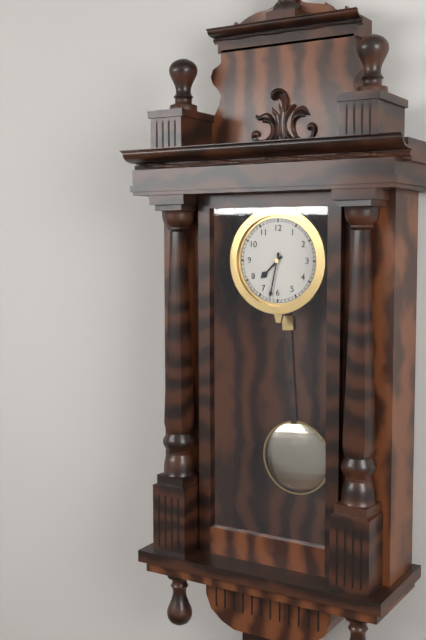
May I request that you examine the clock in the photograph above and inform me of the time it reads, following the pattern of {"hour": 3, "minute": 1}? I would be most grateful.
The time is {"hour": 7, "minute": 32}
